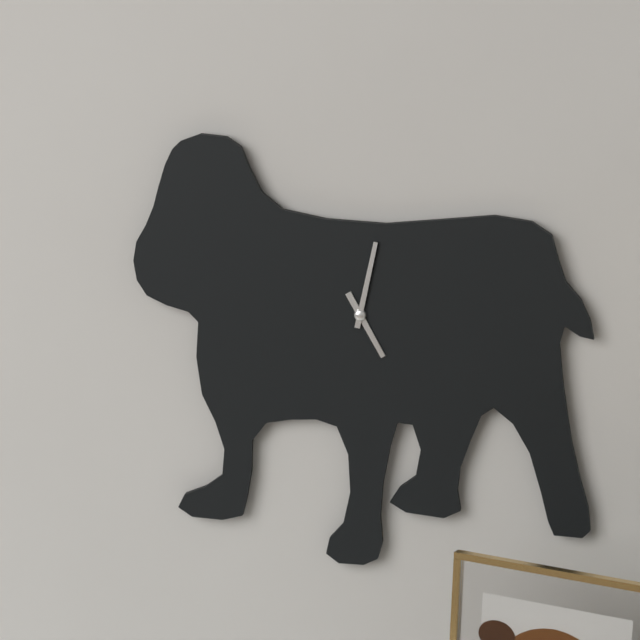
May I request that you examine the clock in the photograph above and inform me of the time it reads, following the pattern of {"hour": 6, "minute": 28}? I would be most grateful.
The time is {"hour": 5, "minute": 2}
